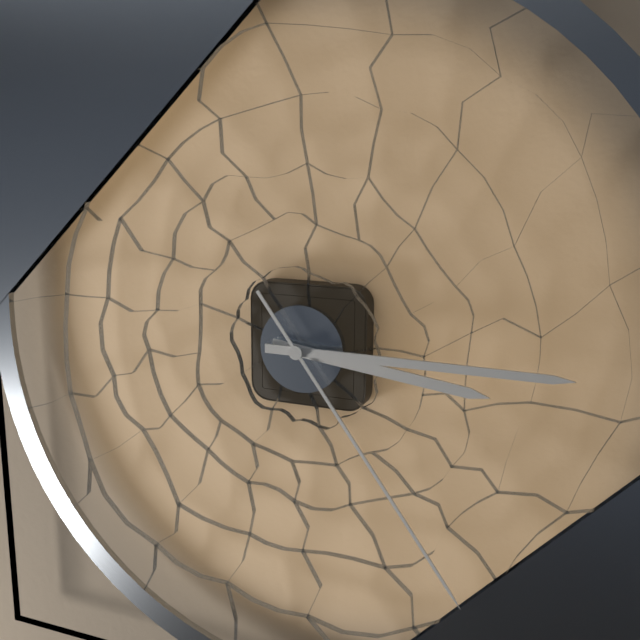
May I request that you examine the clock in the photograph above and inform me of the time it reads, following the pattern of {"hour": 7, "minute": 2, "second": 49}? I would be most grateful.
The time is {"hour": 3, "minute": 15, "second": 24}
